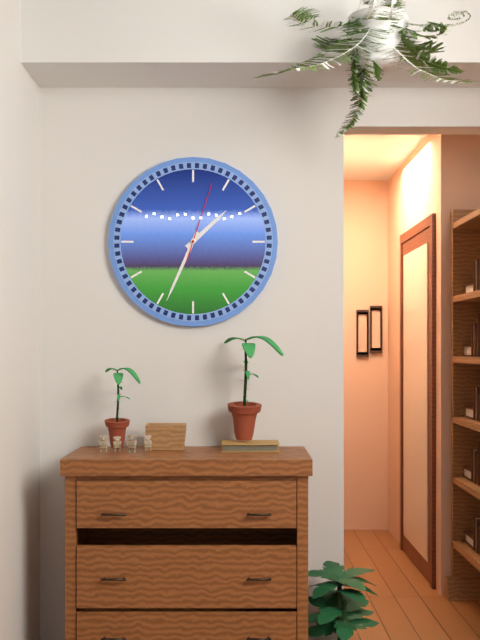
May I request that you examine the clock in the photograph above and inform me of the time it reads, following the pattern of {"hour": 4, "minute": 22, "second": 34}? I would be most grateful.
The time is {"hour": 1, "minute": 34, "second": 3}
